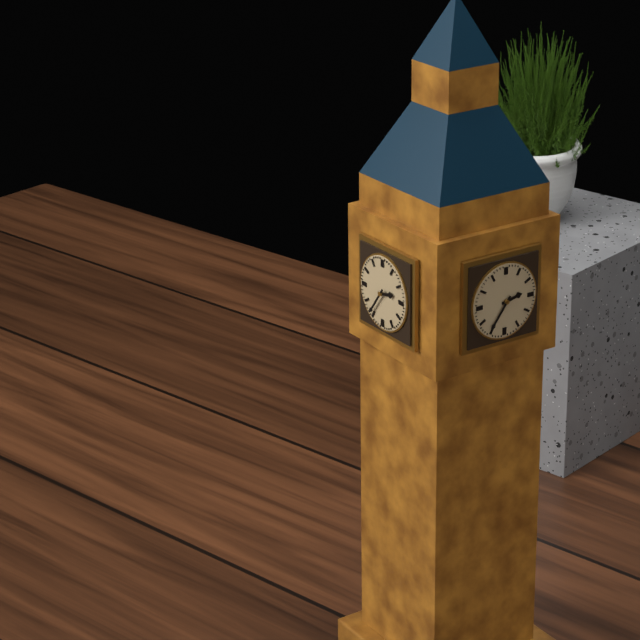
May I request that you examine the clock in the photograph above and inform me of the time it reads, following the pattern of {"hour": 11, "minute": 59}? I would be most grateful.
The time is {"hour": 2, "minute": 36}
